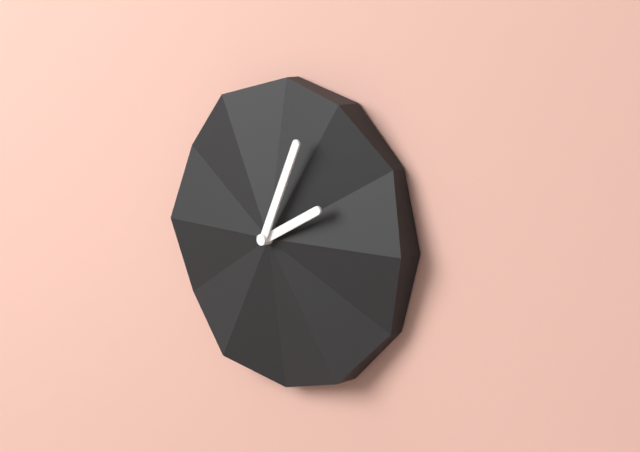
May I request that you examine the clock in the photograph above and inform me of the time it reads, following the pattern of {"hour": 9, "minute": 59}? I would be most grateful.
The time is {"hour": 2, "minute": 4}
